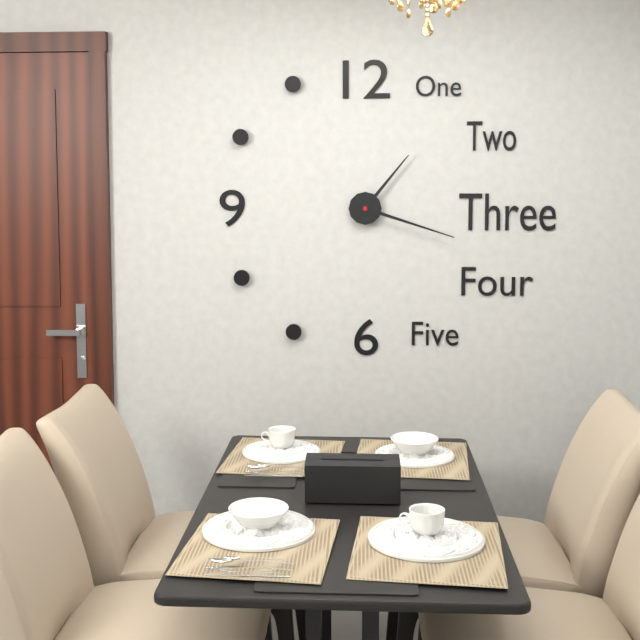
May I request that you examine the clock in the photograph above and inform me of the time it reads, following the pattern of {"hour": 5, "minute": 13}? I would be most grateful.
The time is {"hour": 1, "minute": 18}
